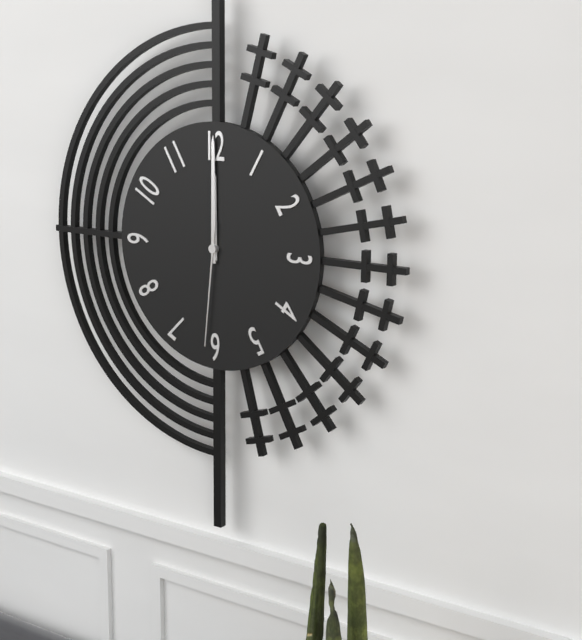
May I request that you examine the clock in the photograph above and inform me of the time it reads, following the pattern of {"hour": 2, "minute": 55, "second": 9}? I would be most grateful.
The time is {"hour": 12, "minute": 0, "second": 31}
